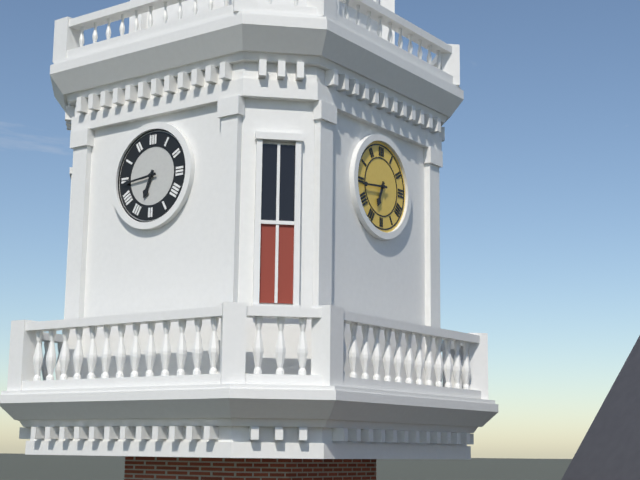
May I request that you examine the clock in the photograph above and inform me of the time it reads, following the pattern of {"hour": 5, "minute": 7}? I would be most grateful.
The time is {"hour": 6, "minute": 44}
